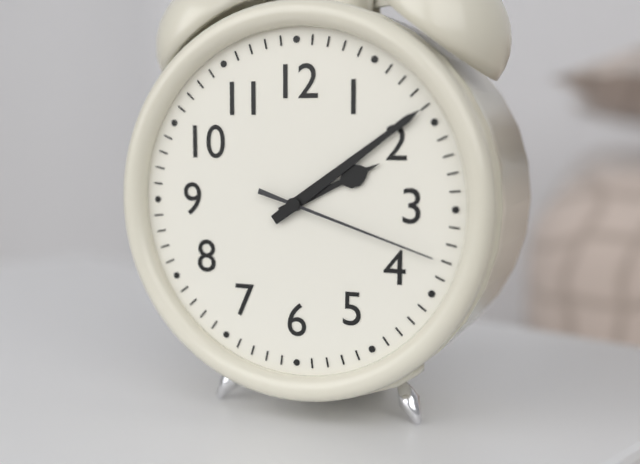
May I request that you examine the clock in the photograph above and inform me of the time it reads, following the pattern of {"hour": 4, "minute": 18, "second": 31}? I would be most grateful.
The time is {"hour": 2, "minute": 9, "second": 18}
